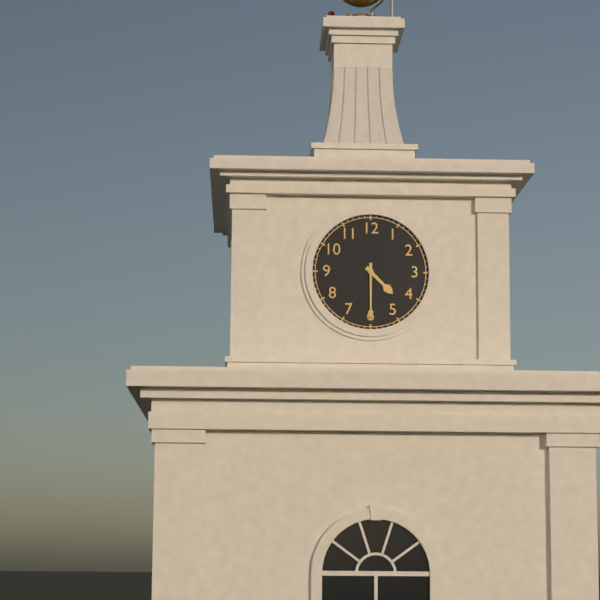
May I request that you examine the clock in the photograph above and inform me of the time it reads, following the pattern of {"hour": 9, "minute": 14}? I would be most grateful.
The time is {"hour": 4, "minute": 30}
